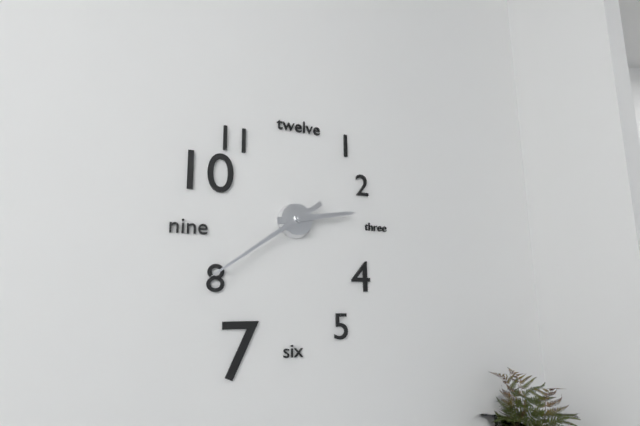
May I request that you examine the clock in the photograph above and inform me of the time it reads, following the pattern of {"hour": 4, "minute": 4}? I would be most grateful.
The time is {"hour": 2, "minute": 39}
